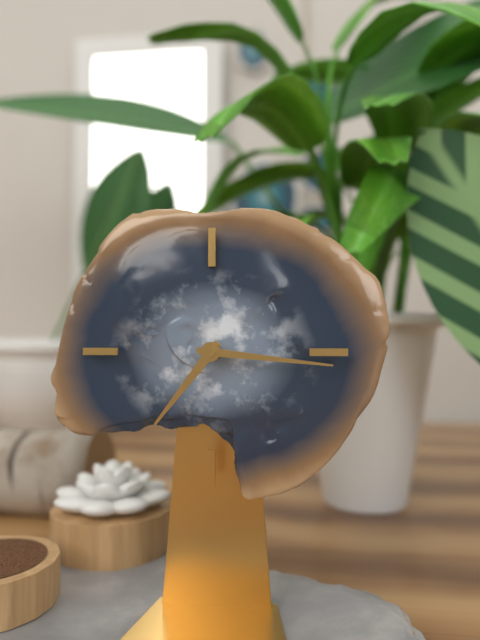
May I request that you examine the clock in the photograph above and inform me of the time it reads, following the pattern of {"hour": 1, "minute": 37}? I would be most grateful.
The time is {"hour": 7, "minute": 16}
